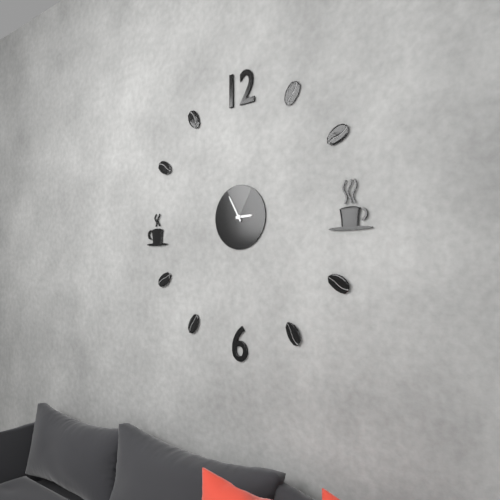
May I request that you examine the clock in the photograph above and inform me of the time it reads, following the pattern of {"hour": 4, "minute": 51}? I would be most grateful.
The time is {"hour": 2, "minute": 55}
